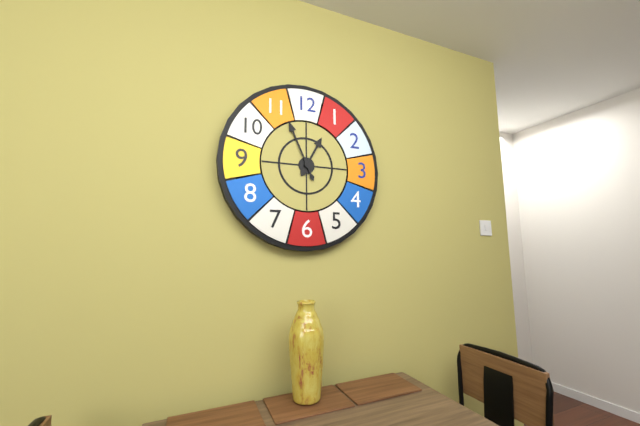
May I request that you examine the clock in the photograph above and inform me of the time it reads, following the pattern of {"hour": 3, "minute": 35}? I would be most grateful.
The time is {"hour": 12, "minute": 56}
